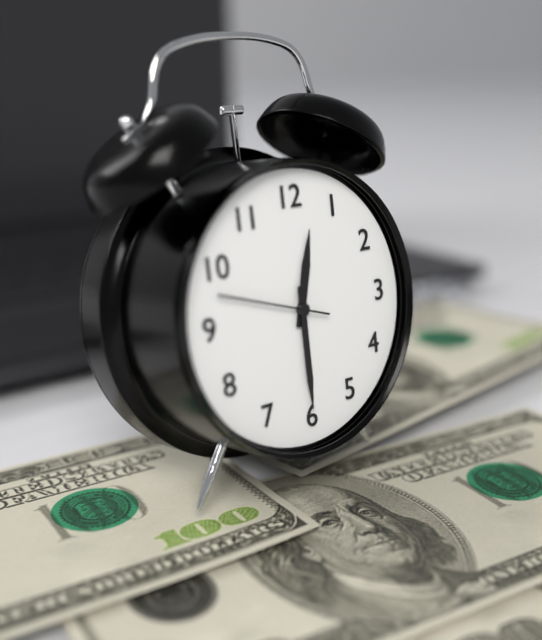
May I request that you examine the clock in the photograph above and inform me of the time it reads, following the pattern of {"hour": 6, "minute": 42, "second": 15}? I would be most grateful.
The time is {"hour": 12, "minute": 30, "second": 48}
